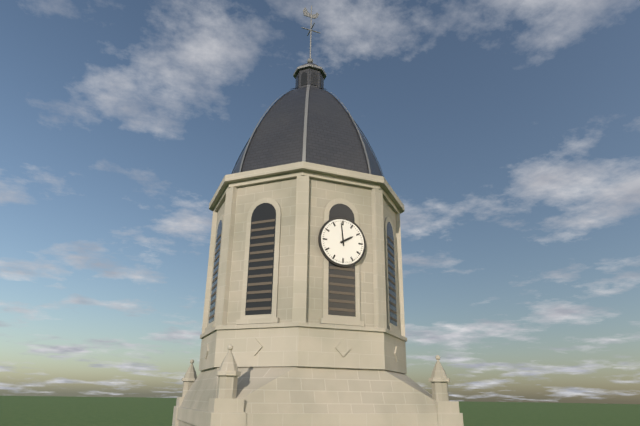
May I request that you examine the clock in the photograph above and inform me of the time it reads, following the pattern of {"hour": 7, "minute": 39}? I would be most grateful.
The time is {"hour": 1, "minute": 59}
